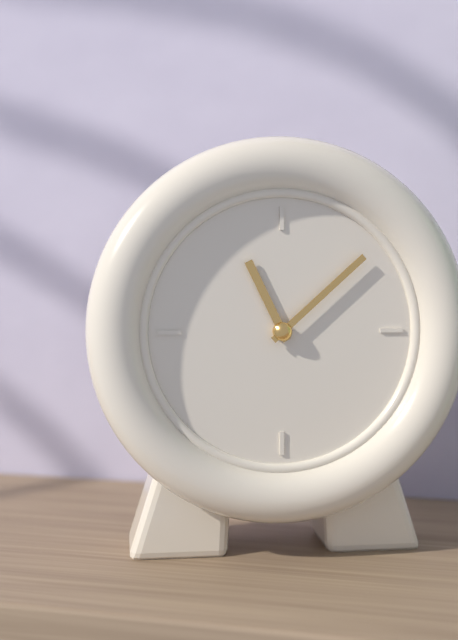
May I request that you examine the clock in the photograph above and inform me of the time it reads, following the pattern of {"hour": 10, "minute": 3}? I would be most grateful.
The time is {"hour": 11, "minute": 8}
